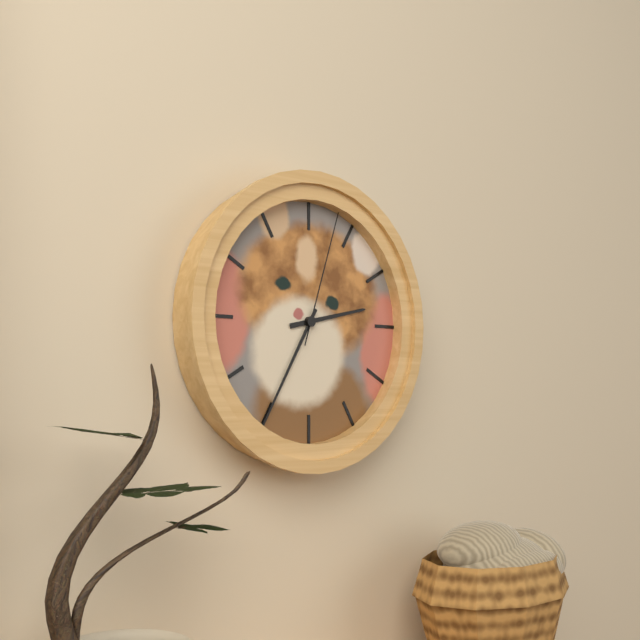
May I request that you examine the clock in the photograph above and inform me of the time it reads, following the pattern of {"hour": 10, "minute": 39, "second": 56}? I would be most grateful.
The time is {"hour": 2, "minute": 35, "second": 3}
